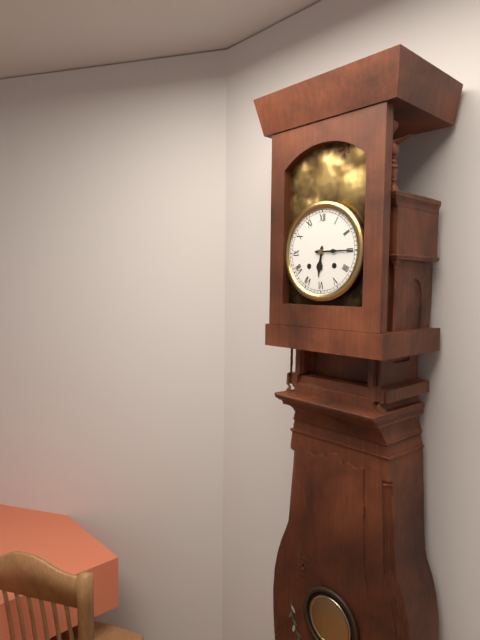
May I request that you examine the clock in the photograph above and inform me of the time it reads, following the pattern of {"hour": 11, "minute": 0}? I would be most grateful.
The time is {"hour": 6, "minute": 15}
